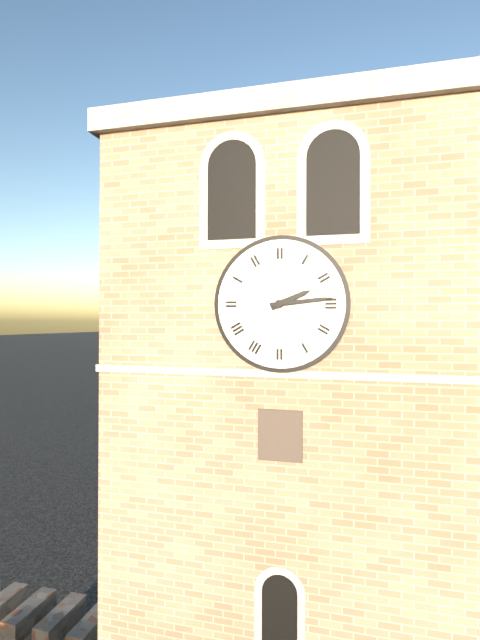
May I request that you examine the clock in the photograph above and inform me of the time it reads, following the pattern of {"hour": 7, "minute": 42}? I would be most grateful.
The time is {"hour": 2, "minute": 14}
